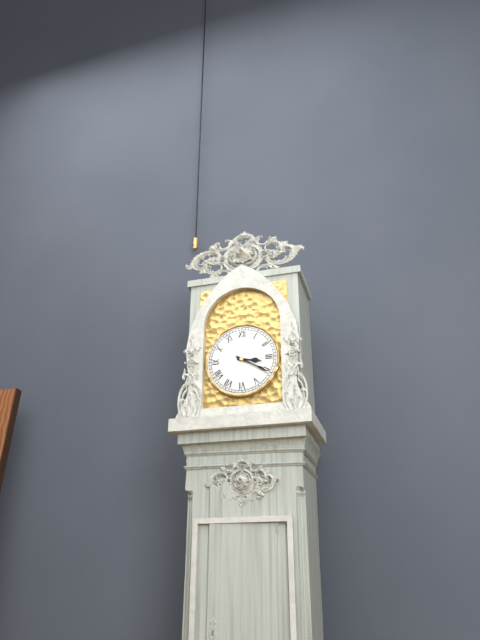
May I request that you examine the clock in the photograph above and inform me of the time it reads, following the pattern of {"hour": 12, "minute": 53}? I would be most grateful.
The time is {"hour": 3, "minute": 20}
